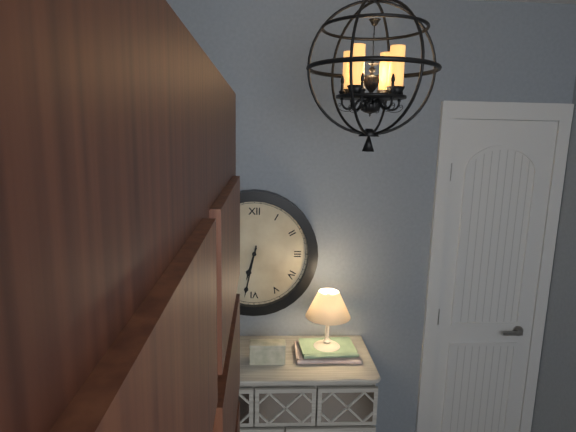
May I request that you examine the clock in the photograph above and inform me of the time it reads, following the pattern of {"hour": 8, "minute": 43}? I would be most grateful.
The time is {"hour": 6, "minute": 32}
